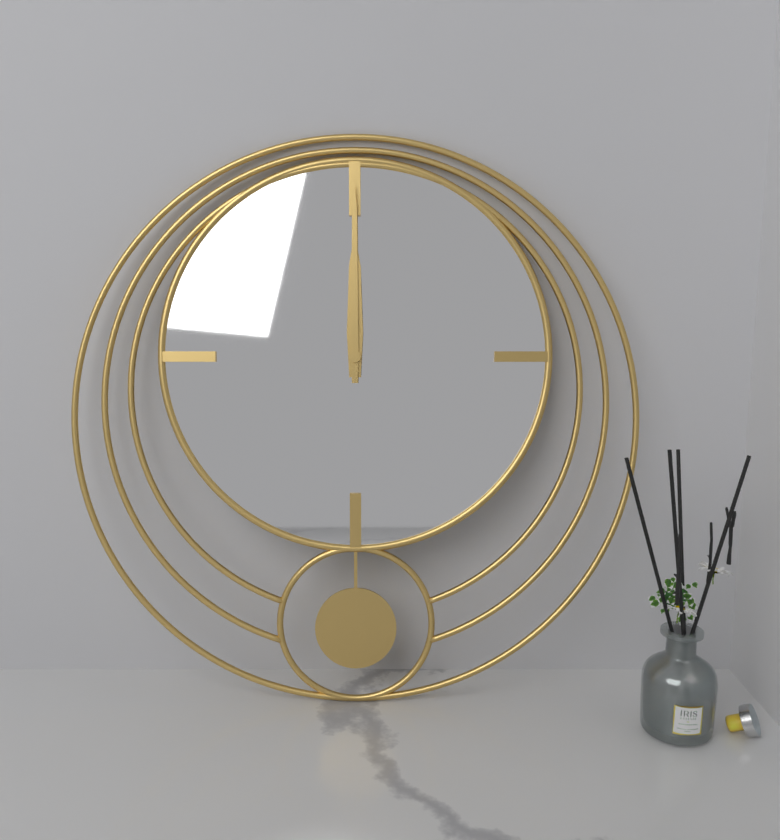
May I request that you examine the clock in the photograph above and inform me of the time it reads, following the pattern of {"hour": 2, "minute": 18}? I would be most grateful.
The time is {"hour": 12, "minute": 0}
